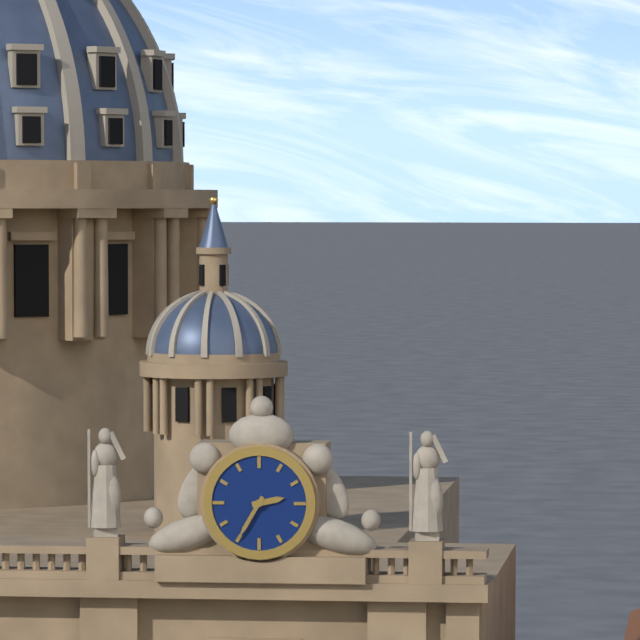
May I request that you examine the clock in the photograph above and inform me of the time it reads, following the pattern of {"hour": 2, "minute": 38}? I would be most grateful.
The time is {"hour": 2, "minute": 35}
